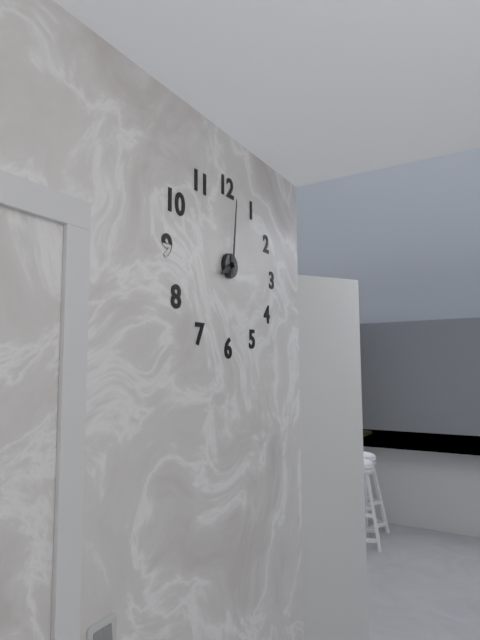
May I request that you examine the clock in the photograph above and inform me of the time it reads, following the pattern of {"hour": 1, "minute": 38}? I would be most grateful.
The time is {"hour": 8, "minute": 1}
